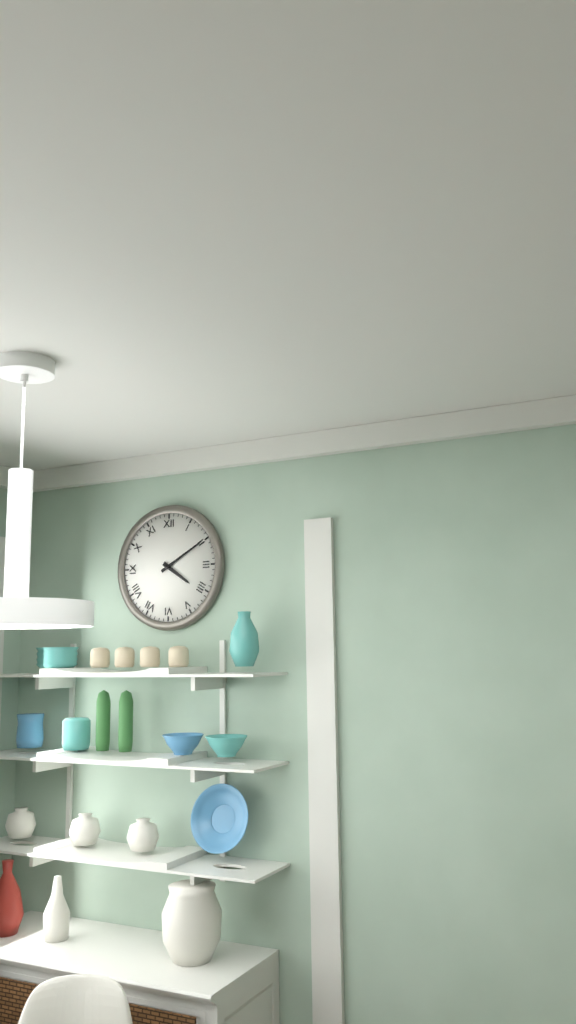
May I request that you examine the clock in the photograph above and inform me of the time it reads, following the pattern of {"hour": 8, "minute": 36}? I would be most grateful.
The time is {"hour": 4, "minute": 10}
